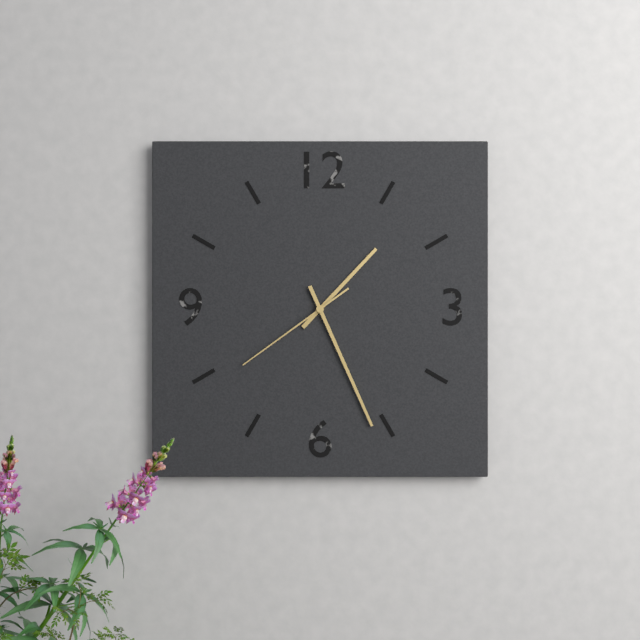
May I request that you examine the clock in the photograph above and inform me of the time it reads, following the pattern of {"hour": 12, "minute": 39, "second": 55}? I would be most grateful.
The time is {"hour": 1, "minute": 26, "second": 39}
